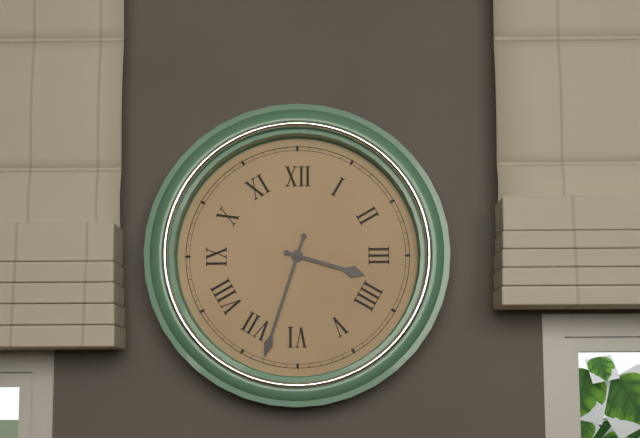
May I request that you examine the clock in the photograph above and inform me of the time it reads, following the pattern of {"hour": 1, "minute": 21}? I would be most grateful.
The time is {"hour": 3, "minute": 33}
